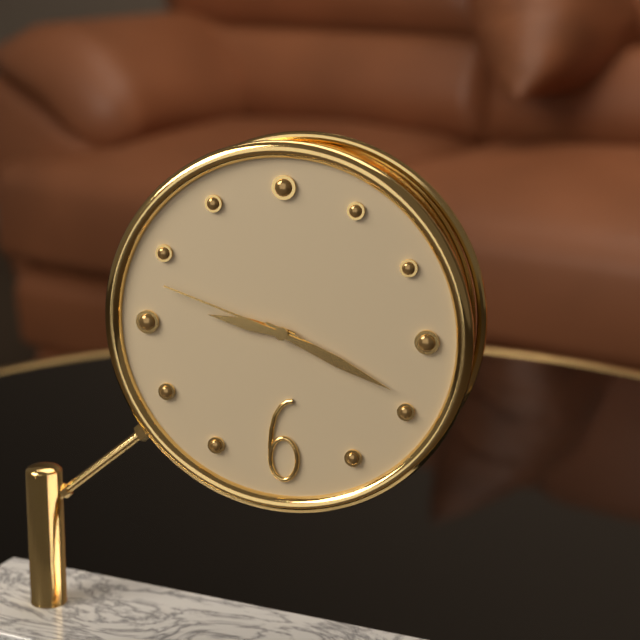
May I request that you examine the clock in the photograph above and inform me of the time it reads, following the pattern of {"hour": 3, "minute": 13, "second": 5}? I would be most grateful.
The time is {"hour": 9, "minute": 19, "second": 48}
